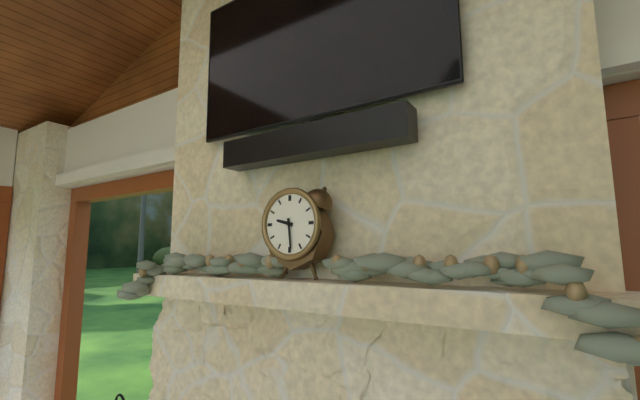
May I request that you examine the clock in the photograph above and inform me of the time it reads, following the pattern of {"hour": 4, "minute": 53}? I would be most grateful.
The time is {"hour": 9, "minute": 29}
